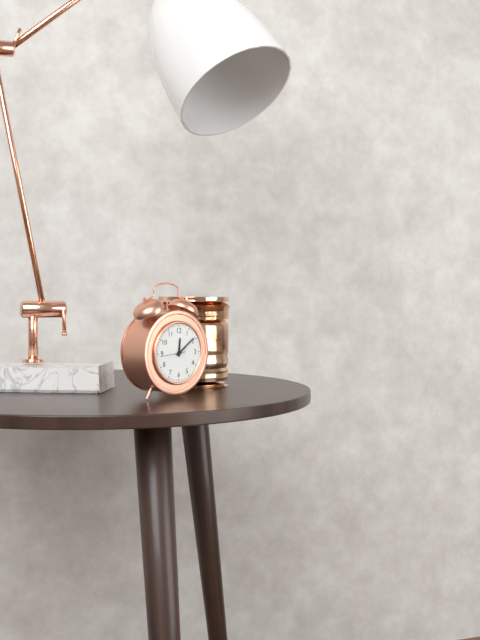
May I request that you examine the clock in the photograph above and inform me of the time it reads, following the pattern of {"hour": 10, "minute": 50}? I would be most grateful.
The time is {"hour": 12, "minute": 9}
